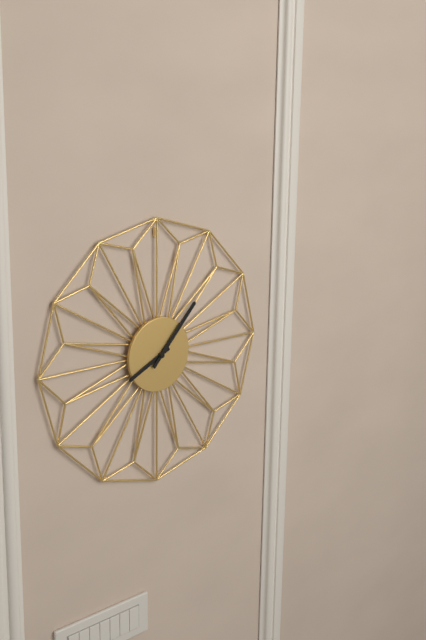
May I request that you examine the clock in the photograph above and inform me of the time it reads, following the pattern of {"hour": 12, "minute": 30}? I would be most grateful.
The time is {"hour": 8, "minute": 7}
